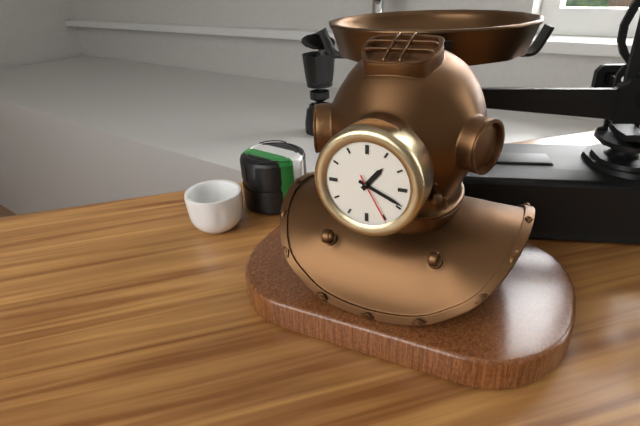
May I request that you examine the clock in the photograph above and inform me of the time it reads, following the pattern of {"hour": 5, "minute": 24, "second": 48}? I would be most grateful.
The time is {"hour": 1, "minute": 19, "second": 25}
